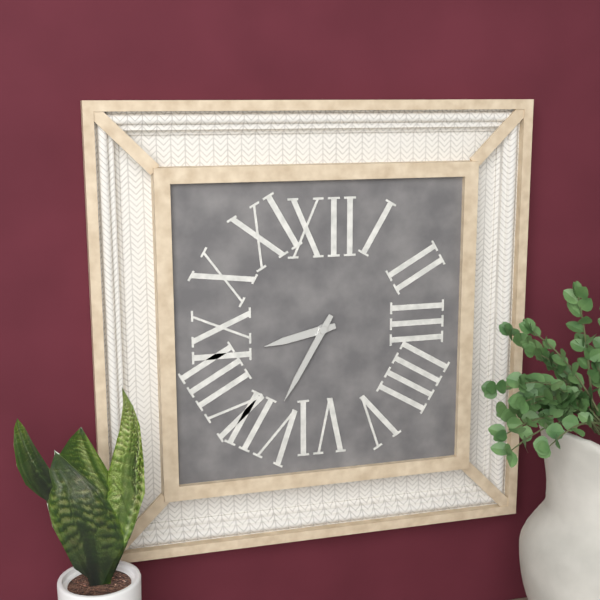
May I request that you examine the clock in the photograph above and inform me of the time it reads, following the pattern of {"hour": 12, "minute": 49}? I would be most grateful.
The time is {"hour": 8, "minute": 35}
